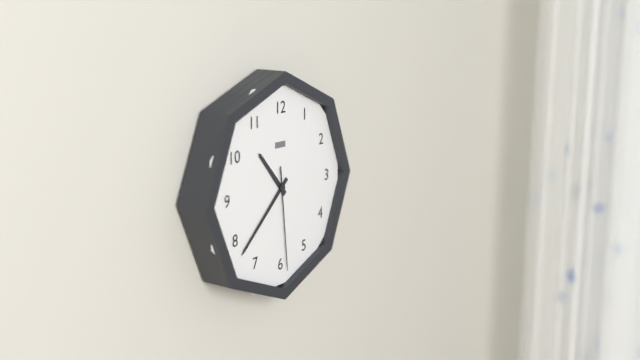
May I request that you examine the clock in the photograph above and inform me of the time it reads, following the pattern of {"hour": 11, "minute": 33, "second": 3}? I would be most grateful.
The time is {"hour": 10, "minute": 38, "second": 29}
